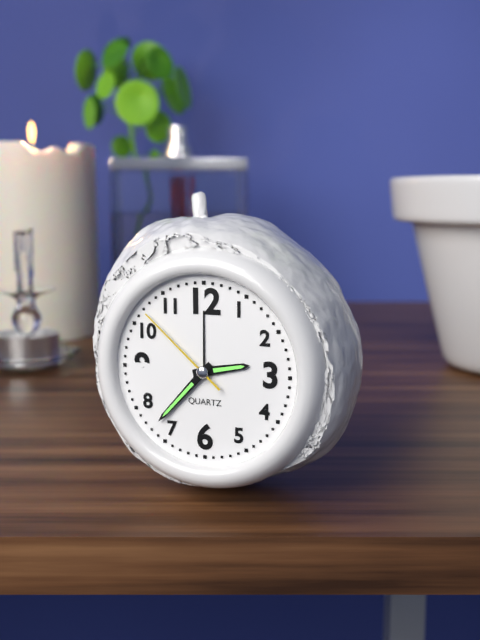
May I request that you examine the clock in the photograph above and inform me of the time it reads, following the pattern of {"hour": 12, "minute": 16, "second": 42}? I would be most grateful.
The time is {"hour": 2, "minute": 37, "second": 52}
